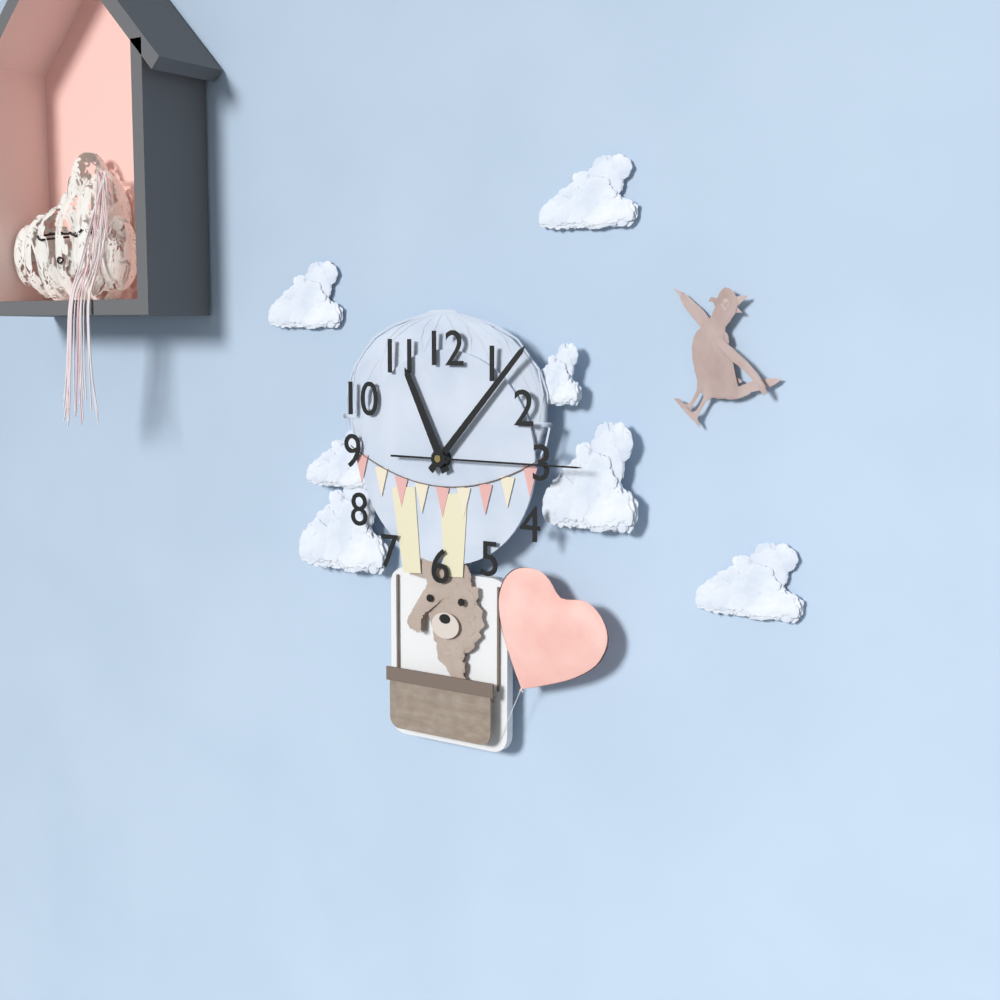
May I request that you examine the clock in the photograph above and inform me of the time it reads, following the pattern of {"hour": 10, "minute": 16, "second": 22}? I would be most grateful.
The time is {"hour": 11, "minute": 7, "second": 15}
